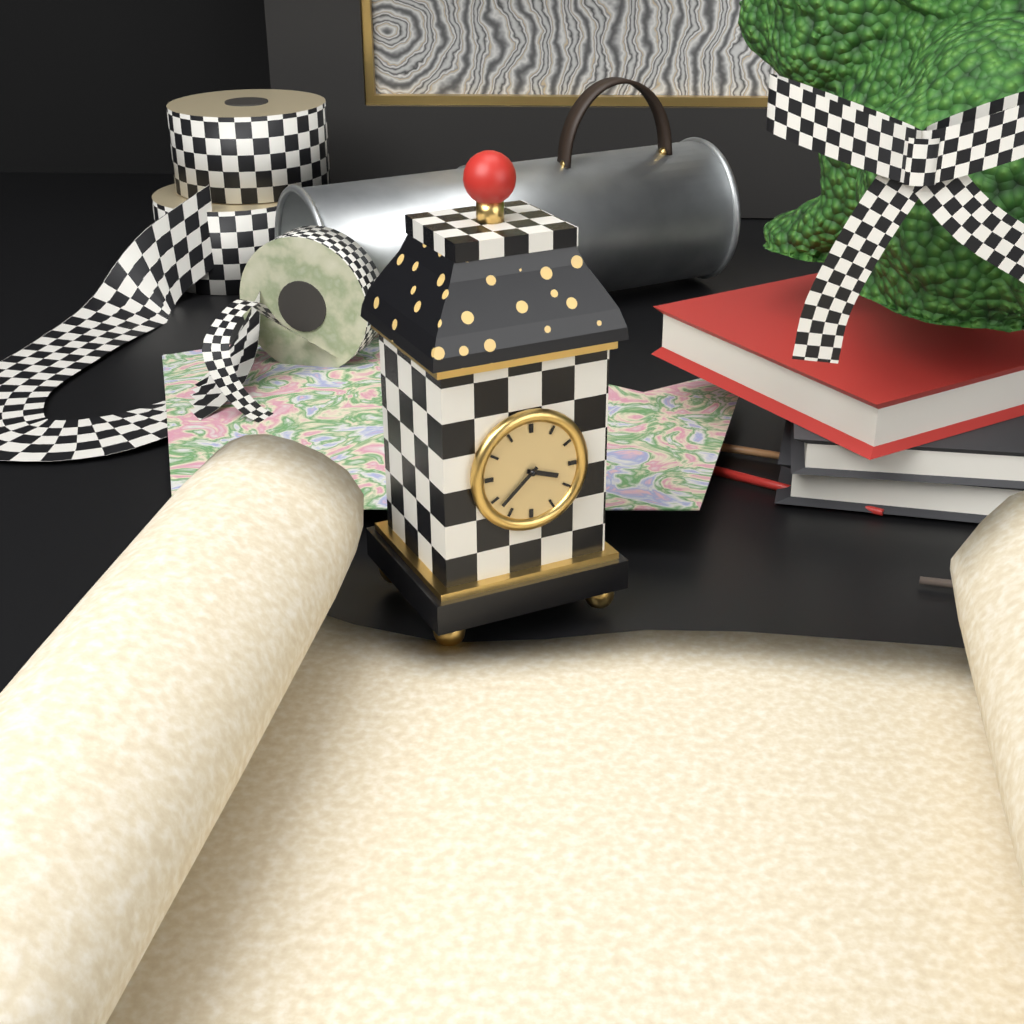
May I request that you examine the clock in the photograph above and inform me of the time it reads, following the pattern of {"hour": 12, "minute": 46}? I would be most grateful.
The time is {"hour": 3, "minute": 38}
